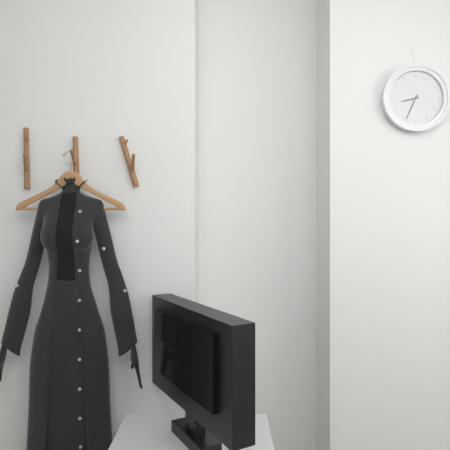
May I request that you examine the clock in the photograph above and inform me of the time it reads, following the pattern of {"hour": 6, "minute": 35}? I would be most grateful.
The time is {"hour": 8, "minute": 34}
